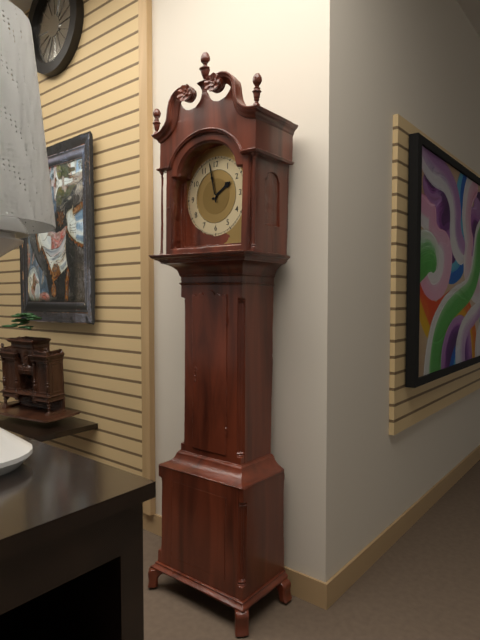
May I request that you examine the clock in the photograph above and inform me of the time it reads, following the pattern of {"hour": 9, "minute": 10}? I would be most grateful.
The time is {"hour": 1, "minute": 58}
